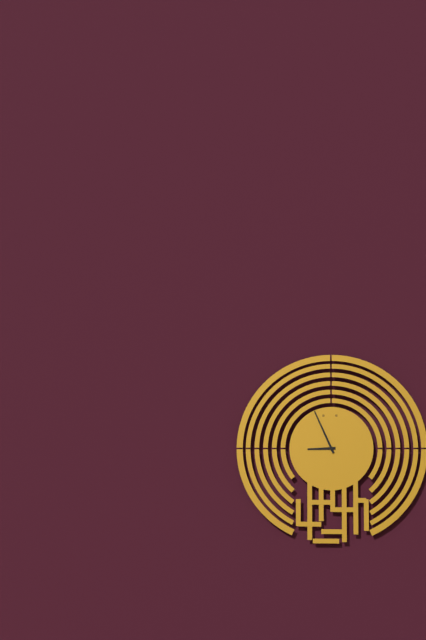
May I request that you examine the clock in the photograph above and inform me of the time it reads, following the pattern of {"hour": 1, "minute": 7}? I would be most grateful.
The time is {"hour": 8, "minute": 56}
